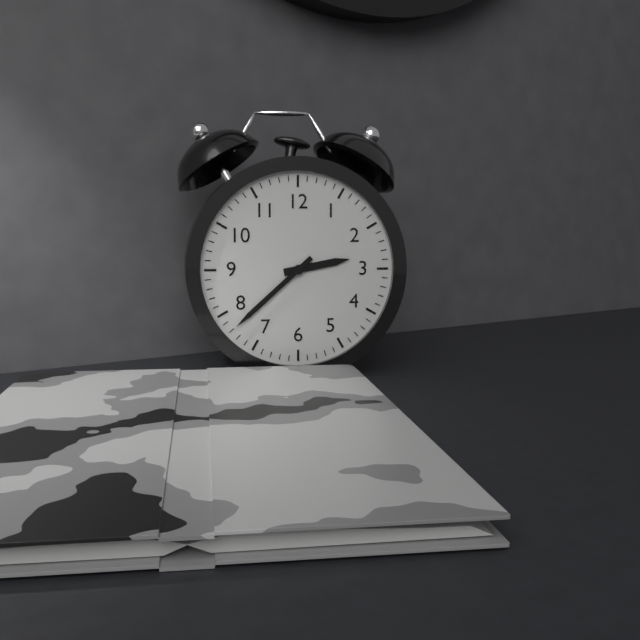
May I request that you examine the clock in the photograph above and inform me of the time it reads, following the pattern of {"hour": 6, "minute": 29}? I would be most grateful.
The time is {"hour": 2, "minute": 38}
